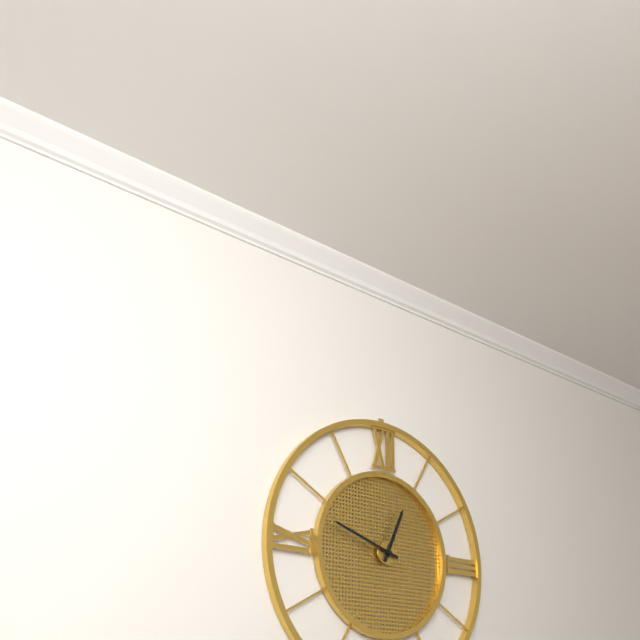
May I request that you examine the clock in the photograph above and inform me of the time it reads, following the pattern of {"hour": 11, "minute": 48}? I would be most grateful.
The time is {"hour": 12, "minute": 48}
